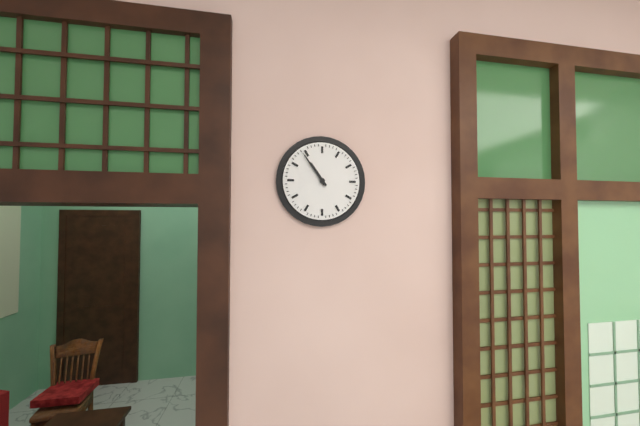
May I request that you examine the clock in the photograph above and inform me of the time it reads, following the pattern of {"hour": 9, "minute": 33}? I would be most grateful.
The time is {"hour": 10, "minute": 54}
